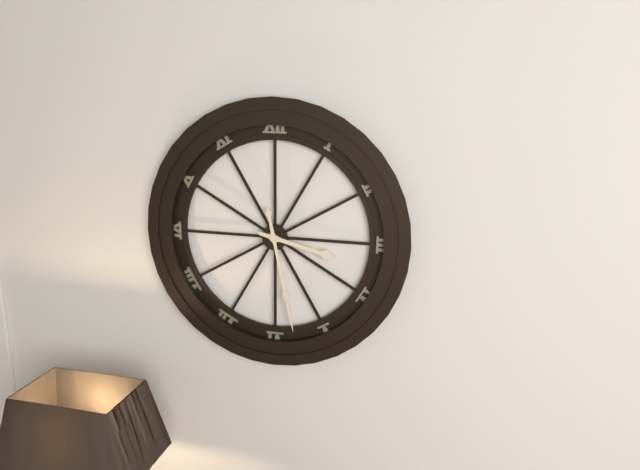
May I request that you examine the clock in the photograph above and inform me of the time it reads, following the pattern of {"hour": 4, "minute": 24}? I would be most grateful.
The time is {"hour": 3, "minute": 28}
